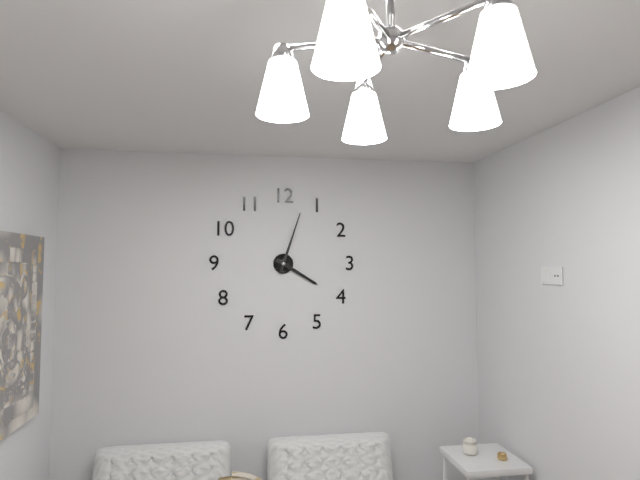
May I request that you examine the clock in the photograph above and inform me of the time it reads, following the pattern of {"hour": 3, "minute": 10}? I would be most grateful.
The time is {"hour": 4, "minute": 3}
